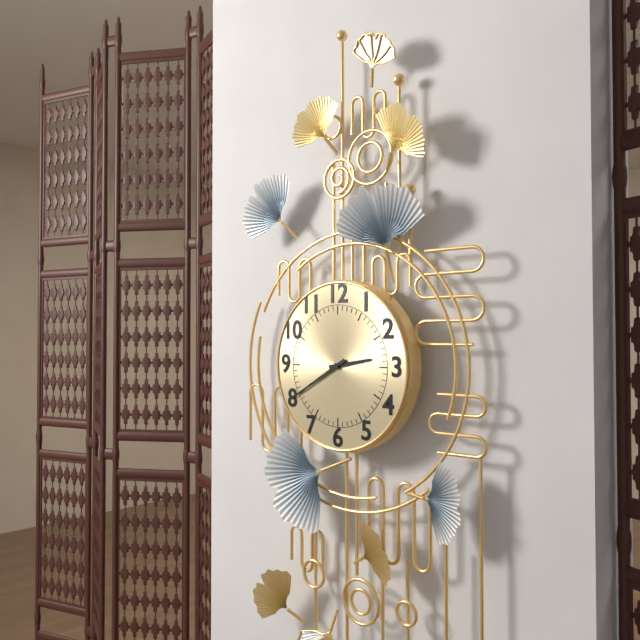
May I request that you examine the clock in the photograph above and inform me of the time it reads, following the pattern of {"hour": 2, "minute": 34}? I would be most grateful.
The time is {"hour": 2, "minute": 40}
